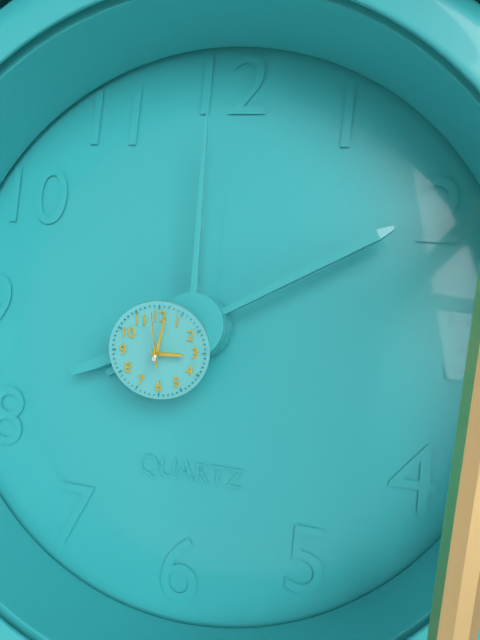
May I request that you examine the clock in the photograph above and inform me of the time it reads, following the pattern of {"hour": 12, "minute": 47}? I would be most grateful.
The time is {"hour": 3, "minute": 2}
